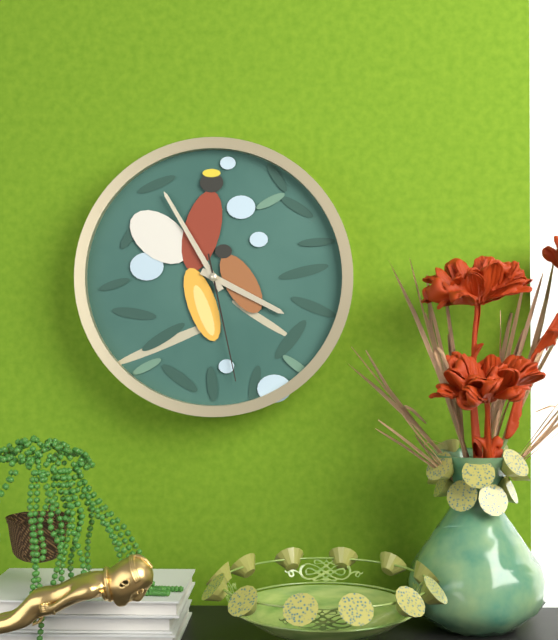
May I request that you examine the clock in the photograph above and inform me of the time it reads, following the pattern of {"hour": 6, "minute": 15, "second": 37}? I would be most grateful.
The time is {"hour": 3, "minute": 55, "second": 28}
